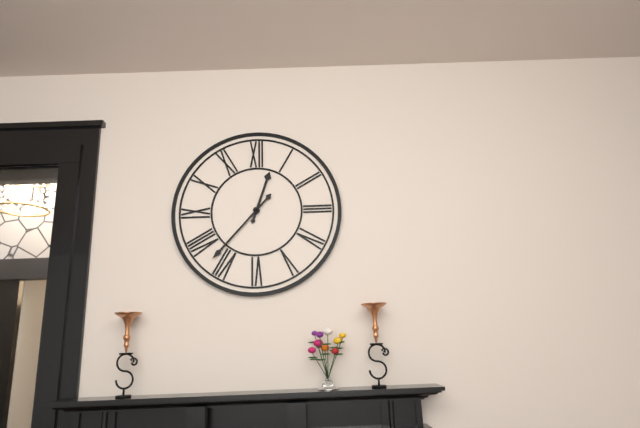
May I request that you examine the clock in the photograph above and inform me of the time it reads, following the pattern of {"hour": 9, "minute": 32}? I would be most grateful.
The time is {"hour": 12, "minute": 37}
